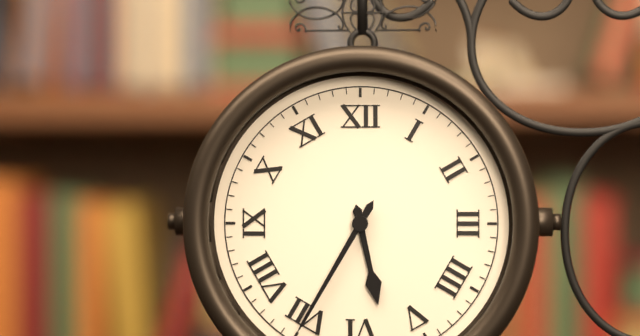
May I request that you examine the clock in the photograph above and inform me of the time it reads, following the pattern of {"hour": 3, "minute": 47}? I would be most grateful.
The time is {"hour": 5, "minute": 35}
